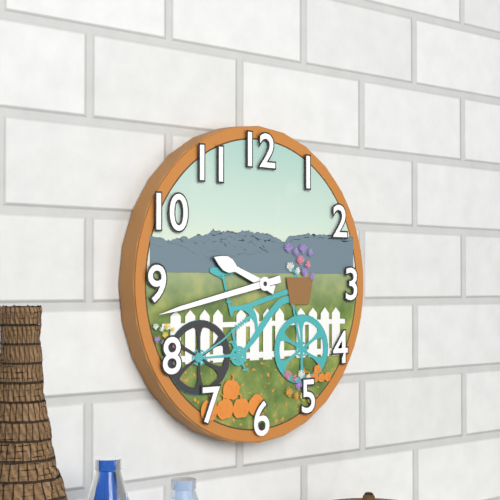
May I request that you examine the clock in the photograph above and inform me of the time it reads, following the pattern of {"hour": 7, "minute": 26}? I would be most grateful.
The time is {"hour": 9, "minute": 43}
